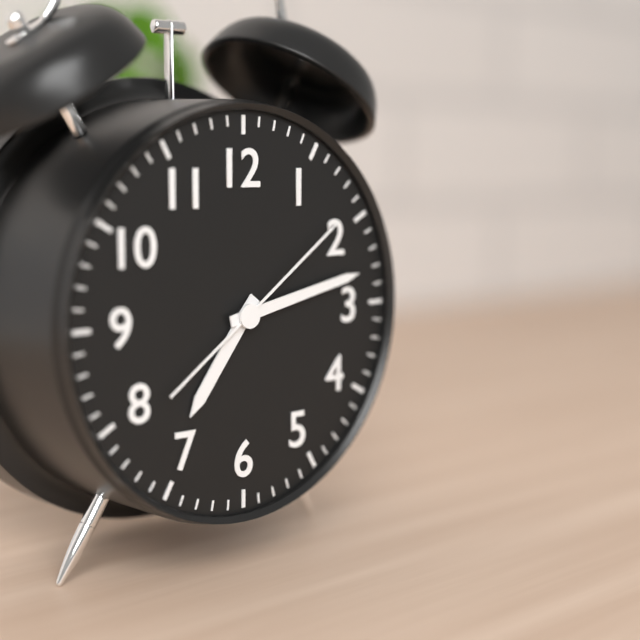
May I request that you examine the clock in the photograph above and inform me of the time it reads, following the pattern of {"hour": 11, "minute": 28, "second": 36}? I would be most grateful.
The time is {"hour": 7, "minute": 13, "second": 9}
